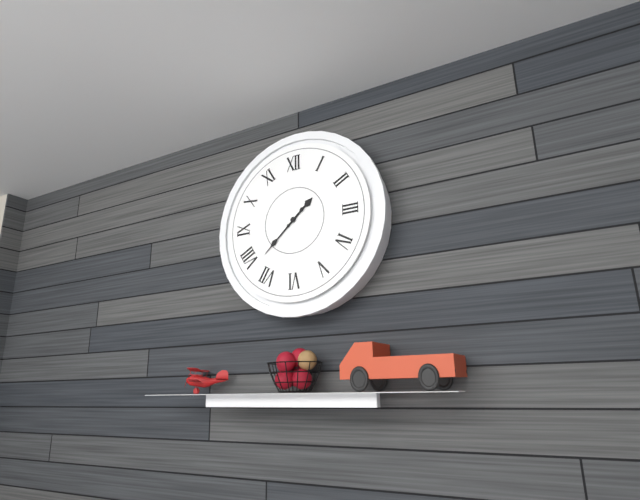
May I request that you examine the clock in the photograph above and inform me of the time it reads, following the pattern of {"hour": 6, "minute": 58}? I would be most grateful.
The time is {"hour": 1, "minute": 38}
